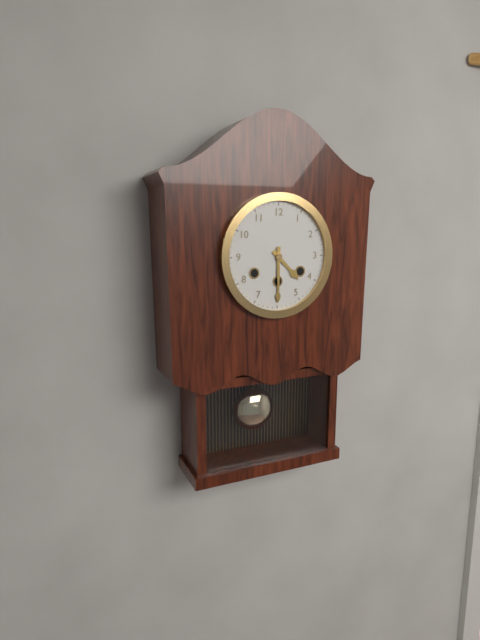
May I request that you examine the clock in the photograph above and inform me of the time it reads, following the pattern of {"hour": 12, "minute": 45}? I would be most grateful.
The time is {"hour": 4, "minute": 30}
